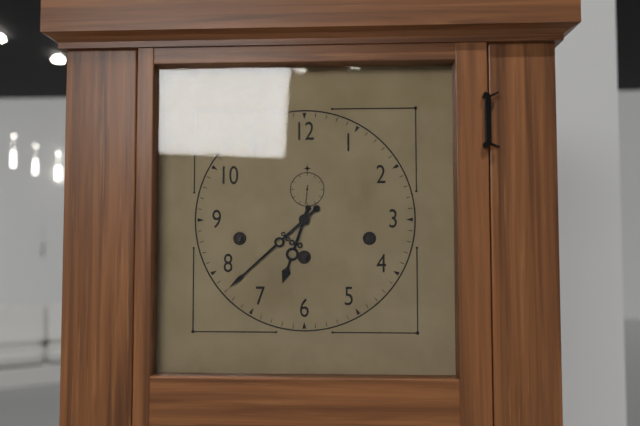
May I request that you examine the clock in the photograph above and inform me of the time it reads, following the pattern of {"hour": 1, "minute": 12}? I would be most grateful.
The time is {"hour": 6, "minute": 38}
